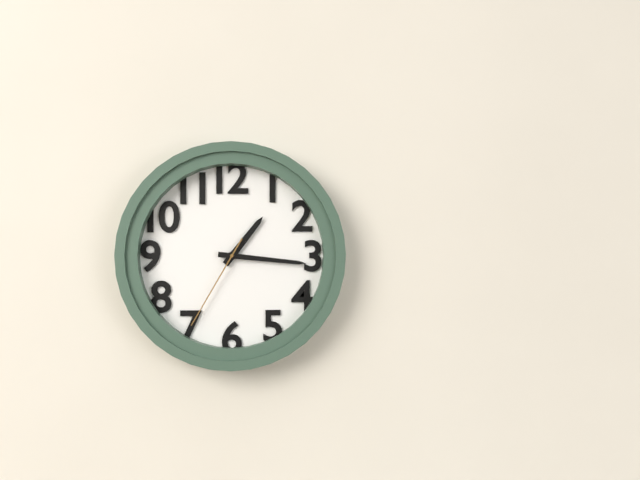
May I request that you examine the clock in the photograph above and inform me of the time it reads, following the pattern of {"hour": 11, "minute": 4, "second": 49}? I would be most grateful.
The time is {"hour": 1, "minute": 16, "second": 35}
